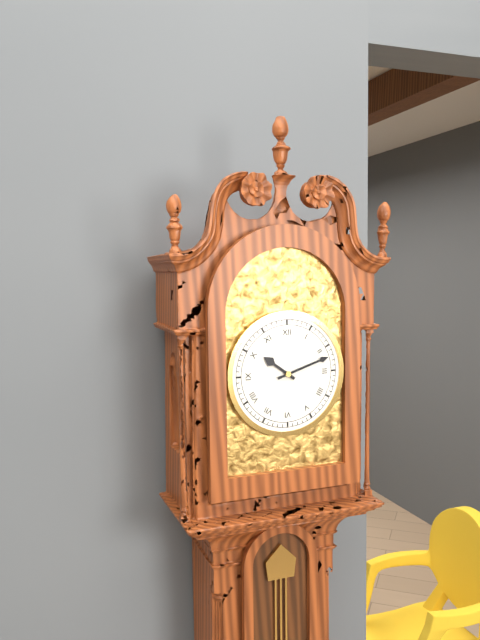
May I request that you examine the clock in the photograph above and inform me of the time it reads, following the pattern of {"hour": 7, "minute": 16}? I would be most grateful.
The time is {"hour": 10, "minute": 12}
